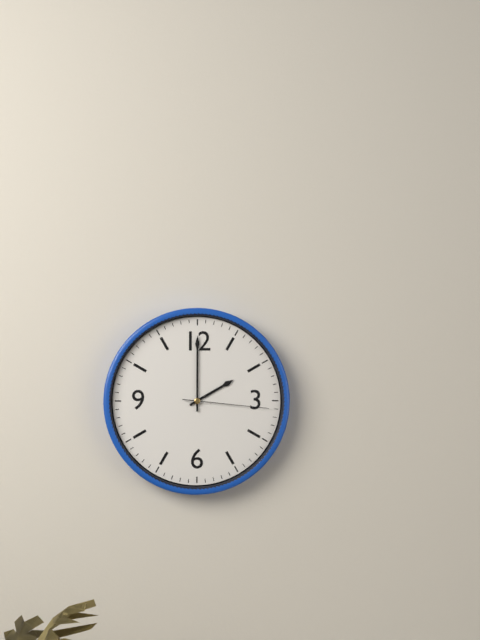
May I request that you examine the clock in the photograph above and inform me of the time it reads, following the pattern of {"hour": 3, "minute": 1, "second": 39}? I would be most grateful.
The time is {"hour": 2, "minute": 0, "second": 16}
